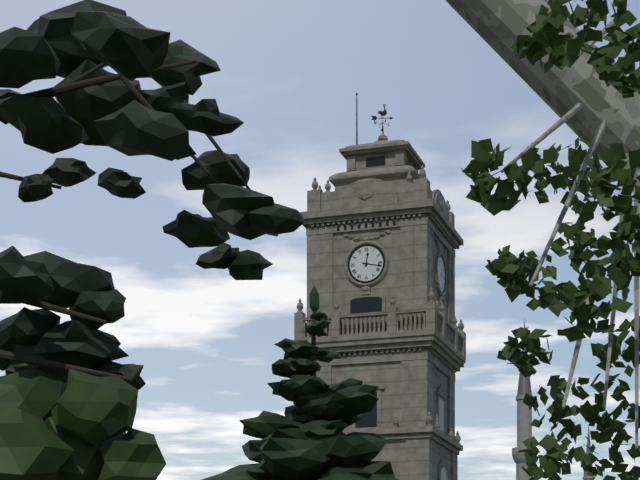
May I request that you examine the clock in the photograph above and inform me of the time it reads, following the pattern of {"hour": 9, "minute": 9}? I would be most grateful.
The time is {"hour": 12, "minute": 17}
